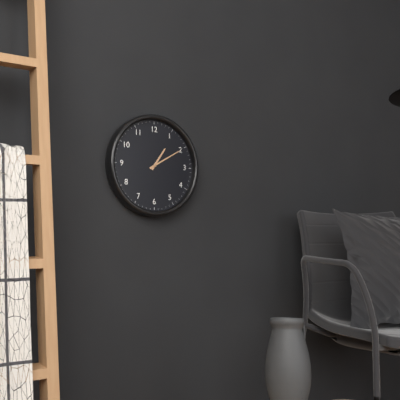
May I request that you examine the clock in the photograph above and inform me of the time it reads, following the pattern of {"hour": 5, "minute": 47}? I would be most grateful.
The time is {"hour": 1, "minute": 10}
